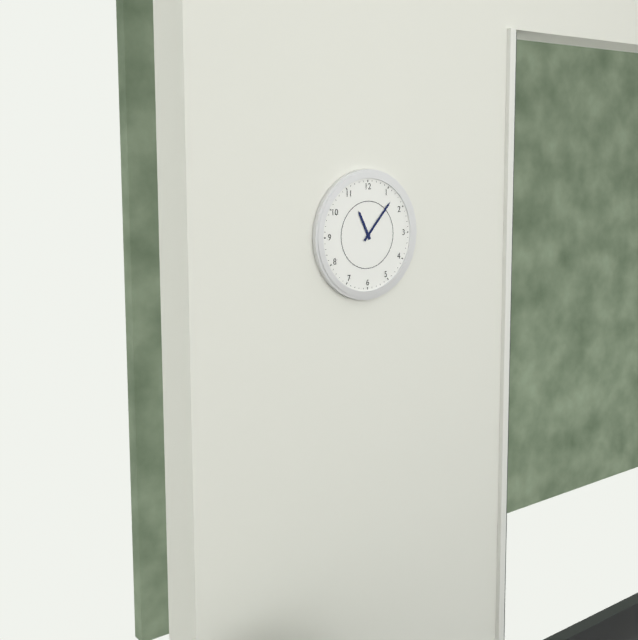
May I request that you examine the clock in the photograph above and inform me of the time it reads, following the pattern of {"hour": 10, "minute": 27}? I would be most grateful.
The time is {"hour": 11, "minute": 7}
